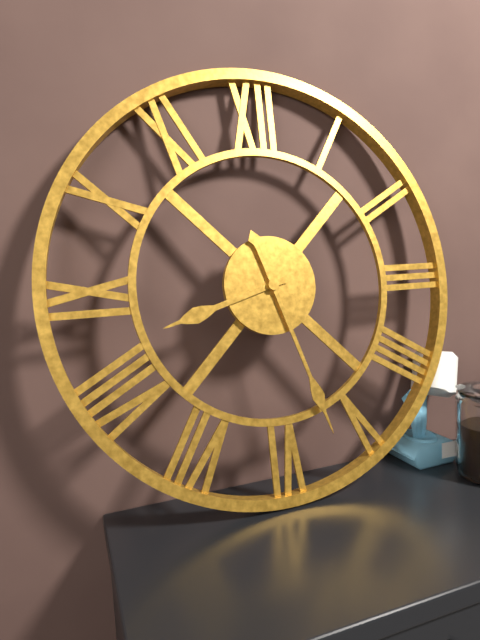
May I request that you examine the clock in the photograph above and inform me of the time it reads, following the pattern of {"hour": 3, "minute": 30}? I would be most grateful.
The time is {"hour": 8, "minute": 27}
